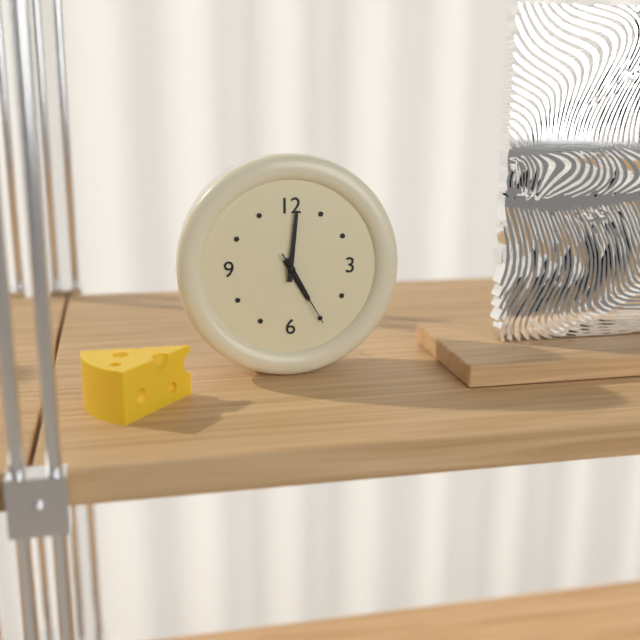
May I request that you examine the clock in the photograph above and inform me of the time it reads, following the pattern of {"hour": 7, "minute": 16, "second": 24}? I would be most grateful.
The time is {"hour": 5, "minute": 1, "second": 25}
